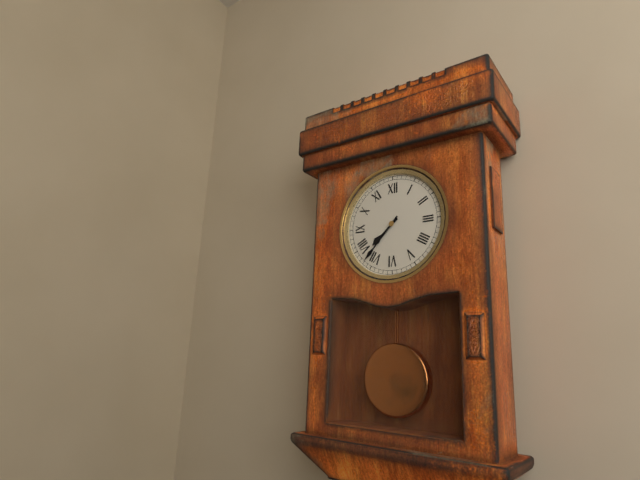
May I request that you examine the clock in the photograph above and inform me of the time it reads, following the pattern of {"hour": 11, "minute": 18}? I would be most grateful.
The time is {"hour": 7, "minute": 37}
